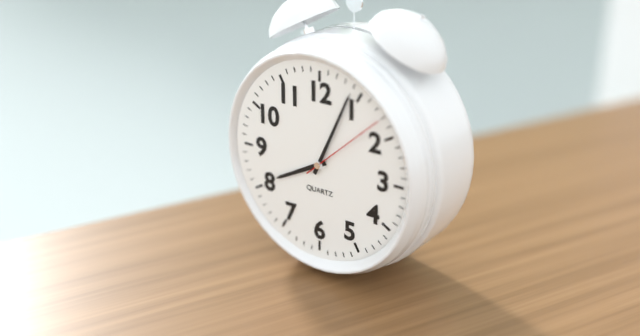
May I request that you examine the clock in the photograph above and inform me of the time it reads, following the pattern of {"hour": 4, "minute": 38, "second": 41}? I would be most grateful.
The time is {"hour": 8, "minute": 4, "second": 8}
